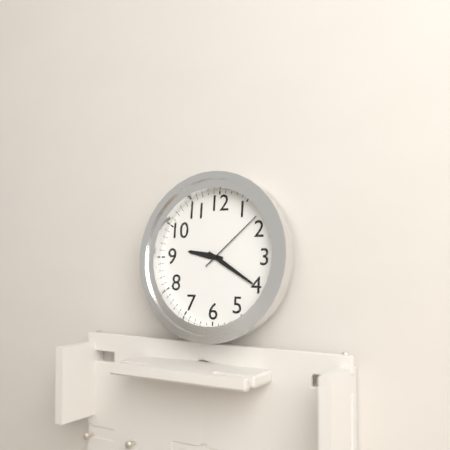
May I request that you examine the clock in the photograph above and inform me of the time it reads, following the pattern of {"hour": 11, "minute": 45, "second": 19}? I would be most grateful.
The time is {"hour": 9, "minute": 20, "second": 8}
